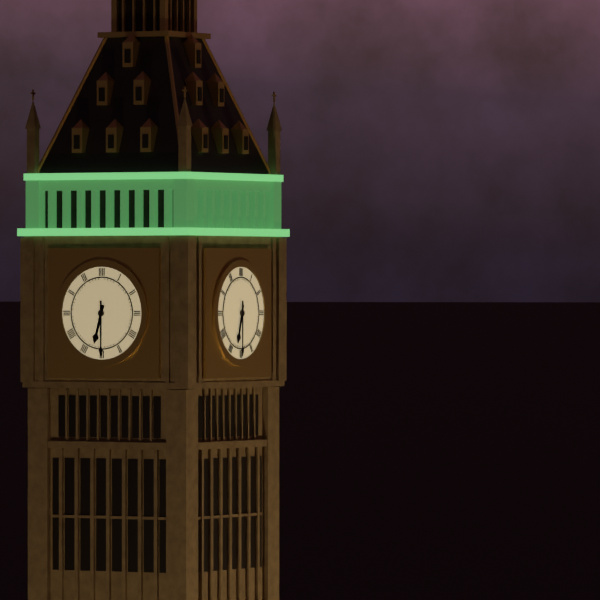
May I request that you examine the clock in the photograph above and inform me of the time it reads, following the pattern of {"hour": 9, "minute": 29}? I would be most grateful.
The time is {"hour": 6, "minute": 30}
